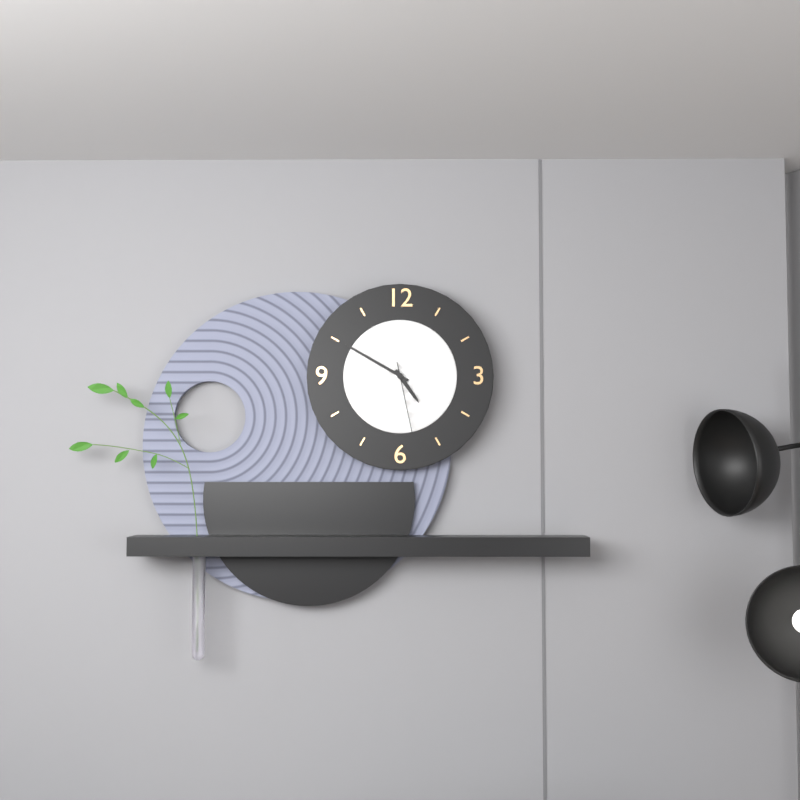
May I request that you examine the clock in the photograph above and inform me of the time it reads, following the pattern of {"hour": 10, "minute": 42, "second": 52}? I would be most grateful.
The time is {"hour": 4, "minute": 50, "second": 28}
